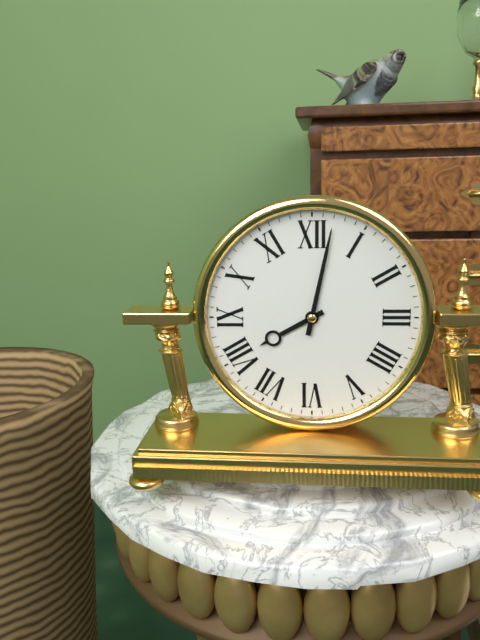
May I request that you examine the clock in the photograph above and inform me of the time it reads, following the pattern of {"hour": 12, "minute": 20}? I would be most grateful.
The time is {"hour": 8, "minute": 2}
